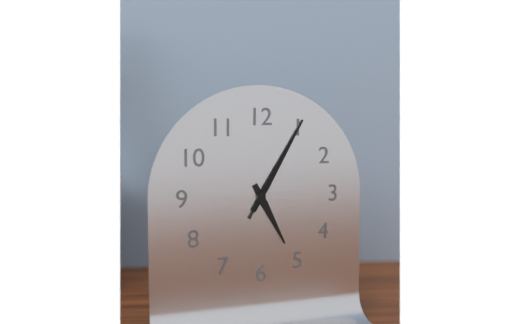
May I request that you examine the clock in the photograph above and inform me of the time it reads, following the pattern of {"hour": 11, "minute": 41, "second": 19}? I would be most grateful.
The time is {"hour": 5, "minute": 5, "second": 5}
